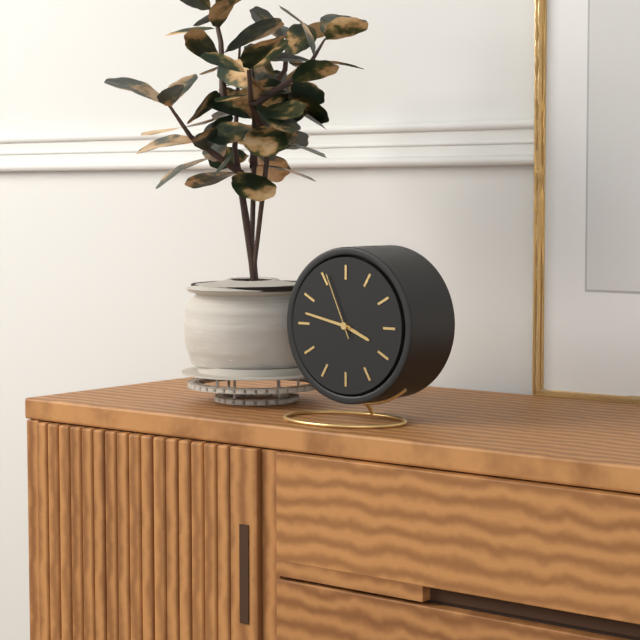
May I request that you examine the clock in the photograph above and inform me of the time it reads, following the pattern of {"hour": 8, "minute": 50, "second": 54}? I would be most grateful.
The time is {"hour": 3, "minute": 47, "second": 56}
